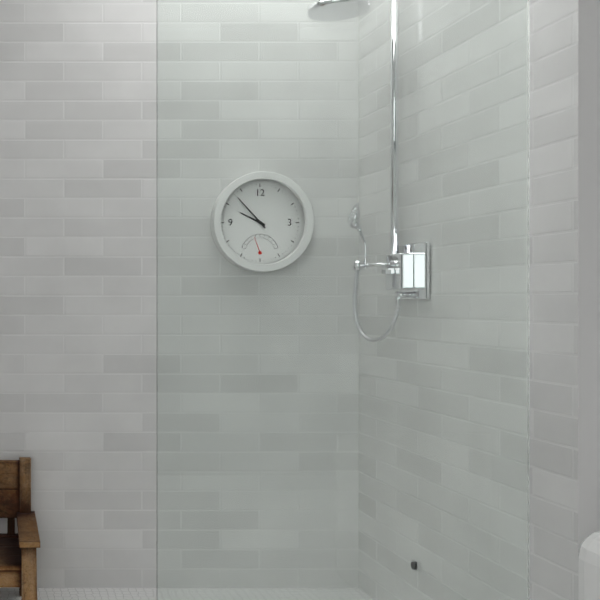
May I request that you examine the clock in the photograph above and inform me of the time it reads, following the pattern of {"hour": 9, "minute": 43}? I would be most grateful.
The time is {"hour": 9, "minute": 53}
